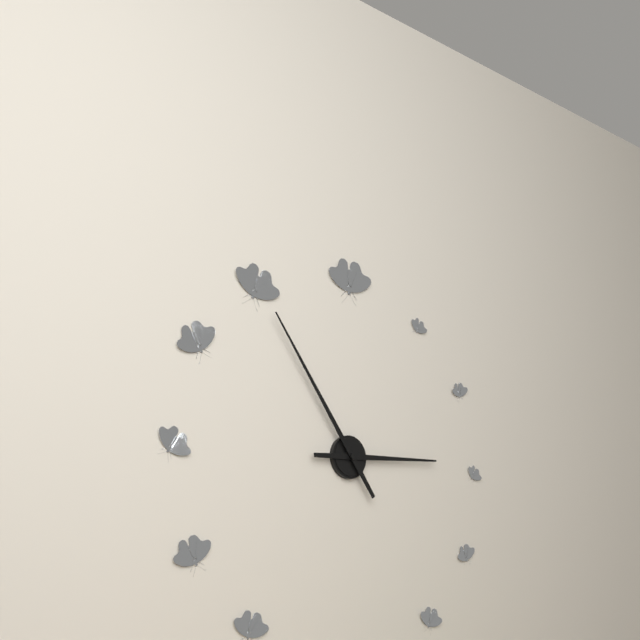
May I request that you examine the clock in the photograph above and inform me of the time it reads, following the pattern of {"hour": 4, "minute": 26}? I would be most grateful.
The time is {"hour": 2, "minute": 54}
